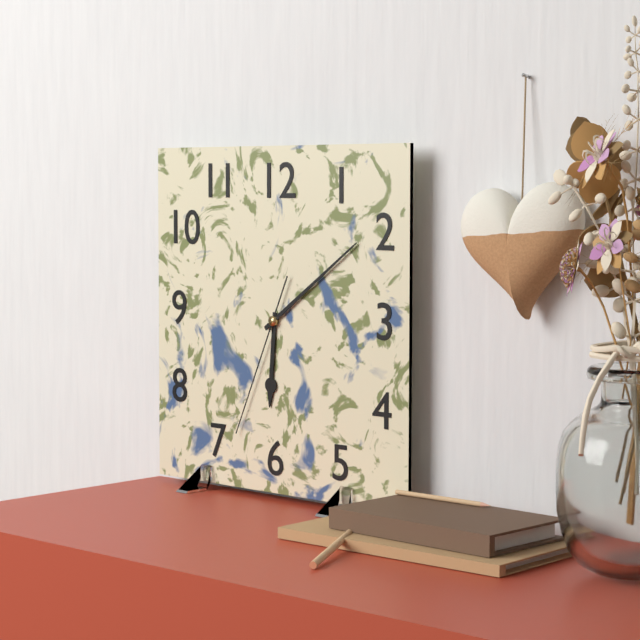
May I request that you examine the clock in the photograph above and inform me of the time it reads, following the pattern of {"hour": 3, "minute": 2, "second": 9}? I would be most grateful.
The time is {"hour": 6, "minute": 9, "second": 34}
